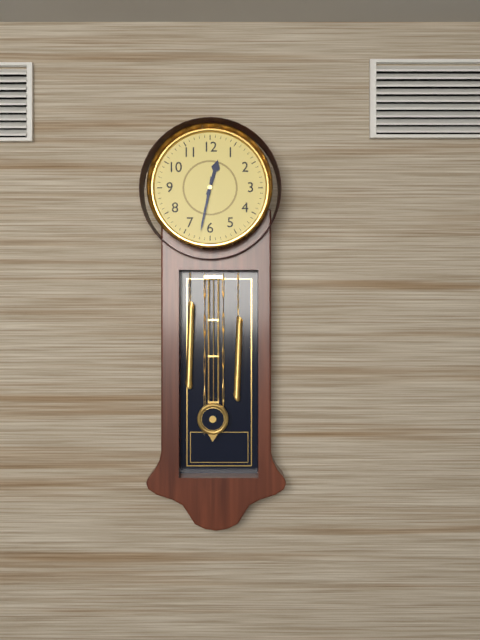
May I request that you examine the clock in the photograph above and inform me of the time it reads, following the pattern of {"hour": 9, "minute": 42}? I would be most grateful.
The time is {"hour": 12, "minute": 32}
